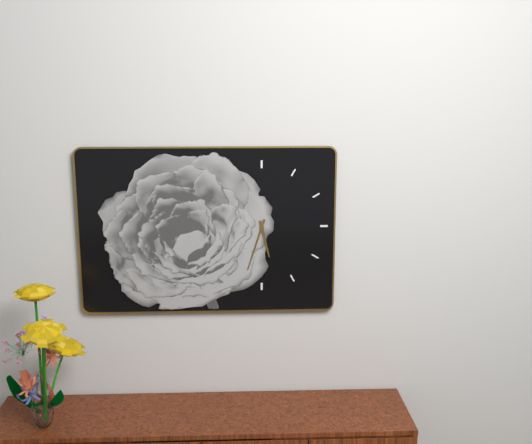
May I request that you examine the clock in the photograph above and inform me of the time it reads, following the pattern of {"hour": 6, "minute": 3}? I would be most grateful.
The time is {"hour": 5, "minute": 33}
